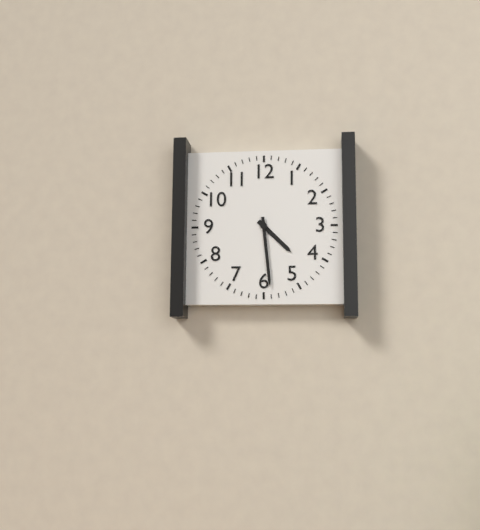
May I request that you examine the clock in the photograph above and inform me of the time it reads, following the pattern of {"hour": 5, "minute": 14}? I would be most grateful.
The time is {"hour": 4, "minute": 29}
